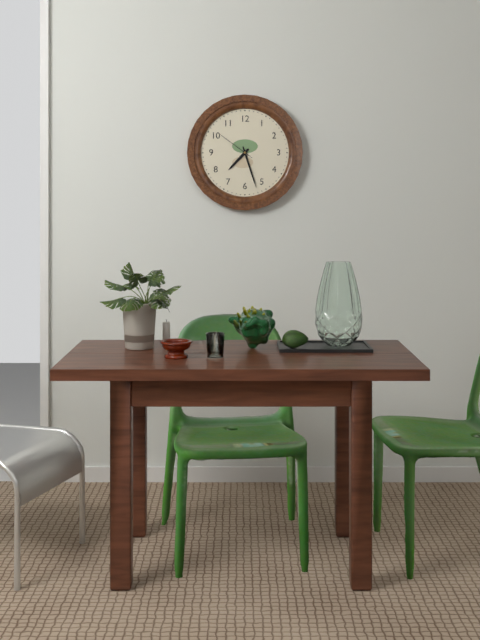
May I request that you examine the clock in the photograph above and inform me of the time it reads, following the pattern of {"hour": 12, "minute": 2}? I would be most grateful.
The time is {"hour": 7, "minute": 27}
